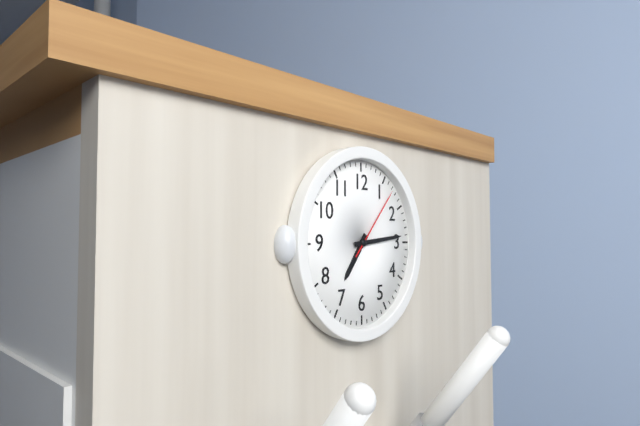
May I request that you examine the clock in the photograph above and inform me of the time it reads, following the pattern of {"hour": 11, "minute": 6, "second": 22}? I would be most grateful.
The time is {"hour": 7, "minute": 14, "second": 7}
